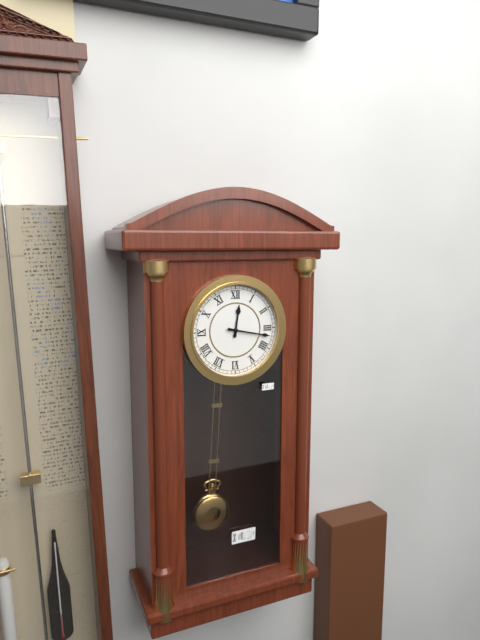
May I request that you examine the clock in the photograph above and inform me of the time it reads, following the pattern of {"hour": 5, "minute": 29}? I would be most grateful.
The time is {"hour": 12, "minute": 17}
